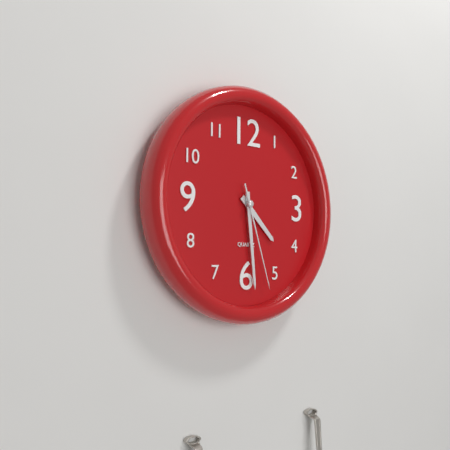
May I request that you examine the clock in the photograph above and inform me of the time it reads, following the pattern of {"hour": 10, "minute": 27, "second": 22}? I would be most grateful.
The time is {"hour": 4, "minute": 29, "second": 27}
